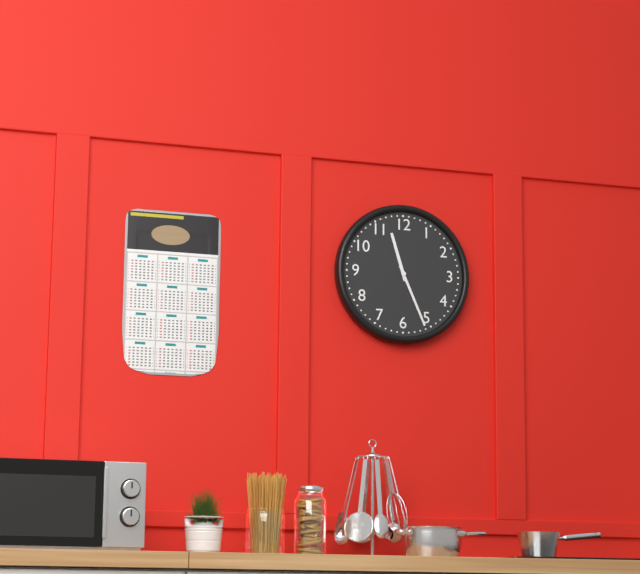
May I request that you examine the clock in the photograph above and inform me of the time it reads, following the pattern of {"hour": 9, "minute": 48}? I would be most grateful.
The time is {"hour": 11, "minute": 26}
